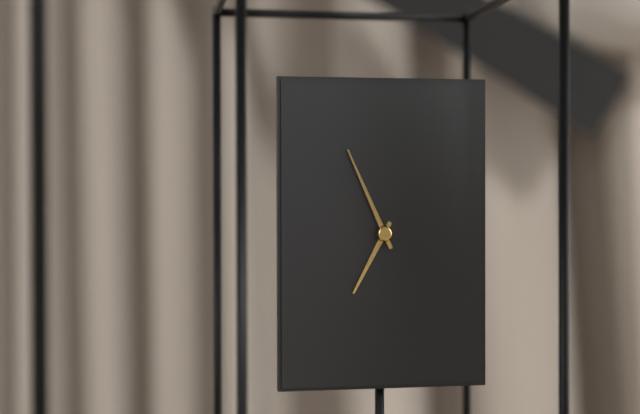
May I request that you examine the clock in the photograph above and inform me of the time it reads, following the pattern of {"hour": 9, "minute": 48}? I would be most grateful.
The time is {"hour": 6, "minute": 56}
